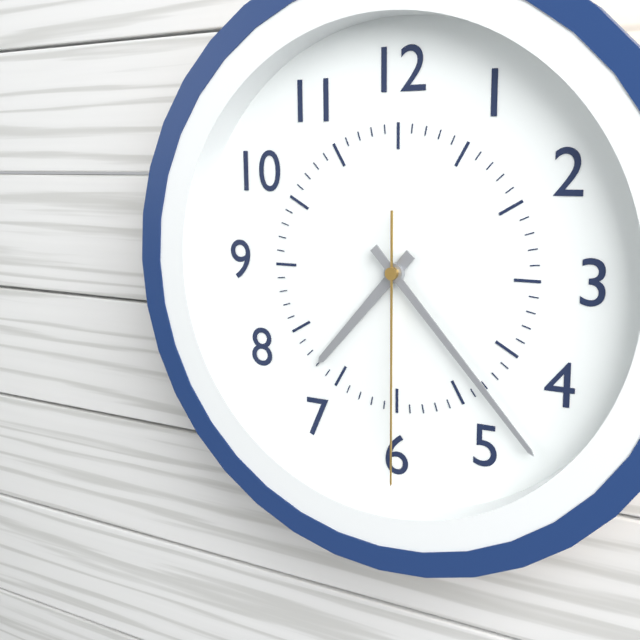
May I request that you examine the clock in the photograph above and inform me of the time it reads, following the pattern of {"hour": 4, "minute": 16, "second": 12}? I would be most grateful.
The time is {"hour": 7, "minute": 23, "second": 30}
